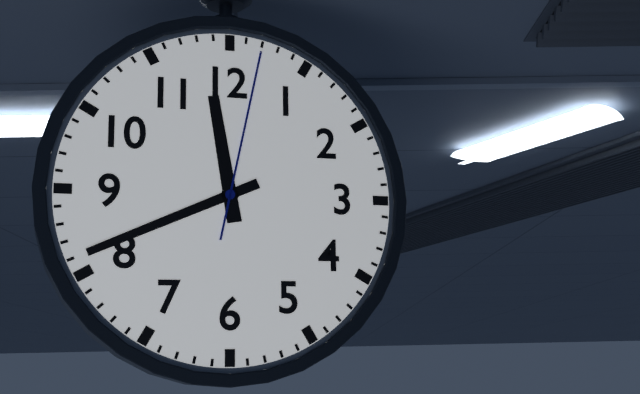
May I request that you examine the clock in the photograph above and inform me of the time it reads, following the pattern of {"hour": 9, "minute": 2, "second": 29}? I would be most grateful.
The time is {"hour": 11, "minute": 41, "second": 2}
